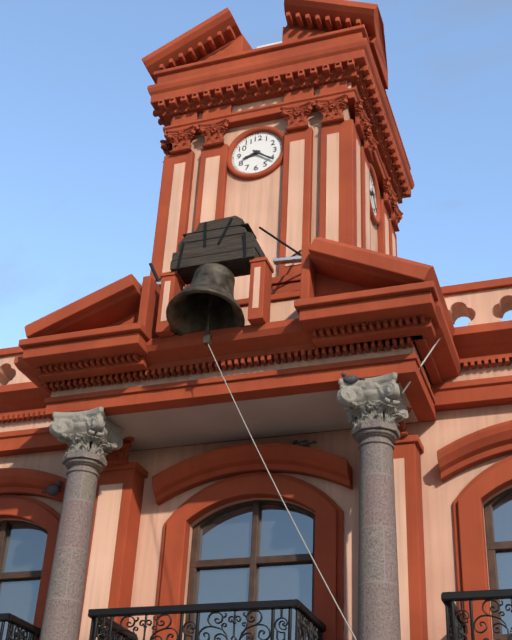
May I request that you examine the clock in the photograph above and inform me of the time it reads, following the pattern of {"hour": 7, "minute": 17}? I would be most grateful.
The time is {"hour": 8, "minute": 21}
